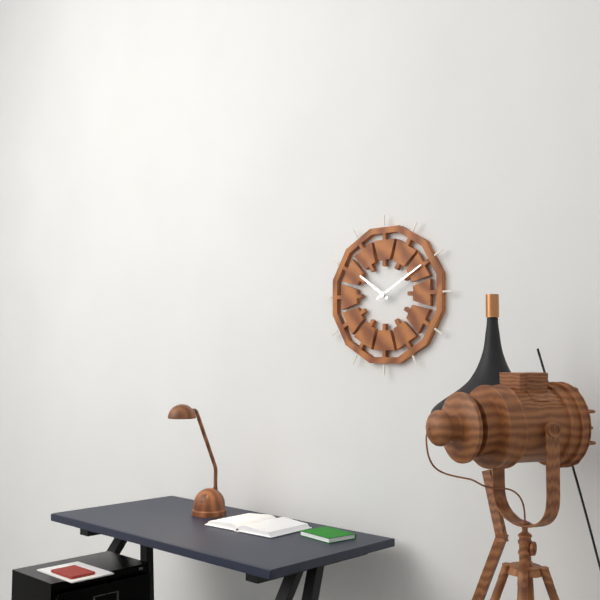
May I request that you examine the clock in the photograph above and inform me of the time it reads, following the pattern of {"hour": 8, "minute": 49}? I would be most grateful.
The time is {"hour": 10, "minute": 10}
